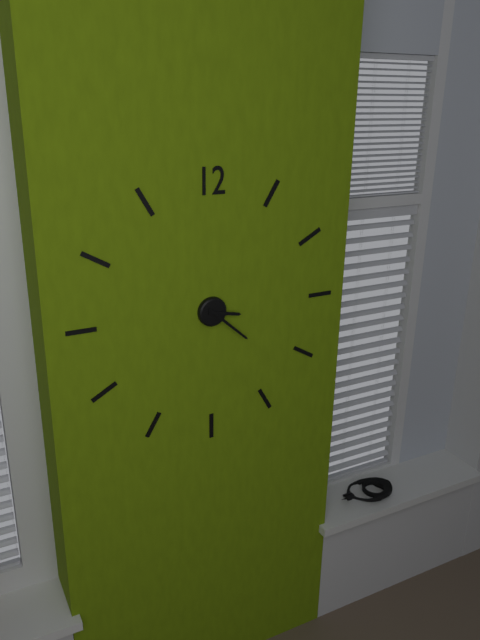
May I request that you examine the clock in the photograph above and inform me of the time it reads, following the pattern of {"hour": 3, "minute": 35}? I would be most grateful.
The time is {"hour": 3, "minute": 22}
